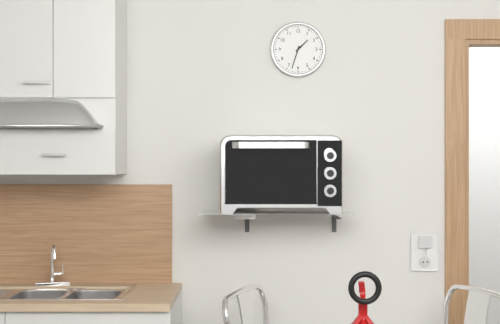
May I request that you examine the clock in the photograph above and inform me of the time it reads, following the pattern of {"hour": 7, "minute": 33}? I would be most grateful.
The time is {"hour": 1, "minute": 33}
